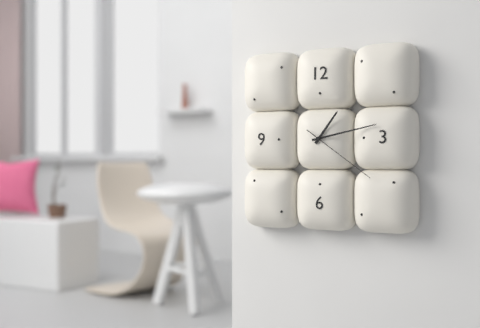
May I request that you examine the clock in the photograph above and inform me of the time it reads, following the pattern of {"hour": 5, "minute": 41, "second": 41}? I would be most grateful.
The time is {"hour": 1, "minute": 13, "second": 21}
